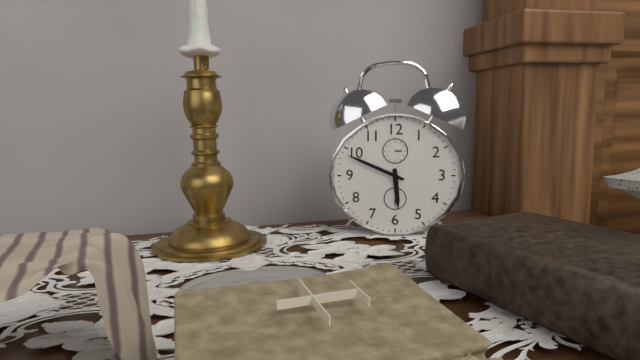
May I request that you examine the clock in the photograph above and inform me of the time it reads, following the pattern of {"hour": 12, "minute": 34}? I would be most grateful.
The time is {"hour": 5, "minute": 49}
